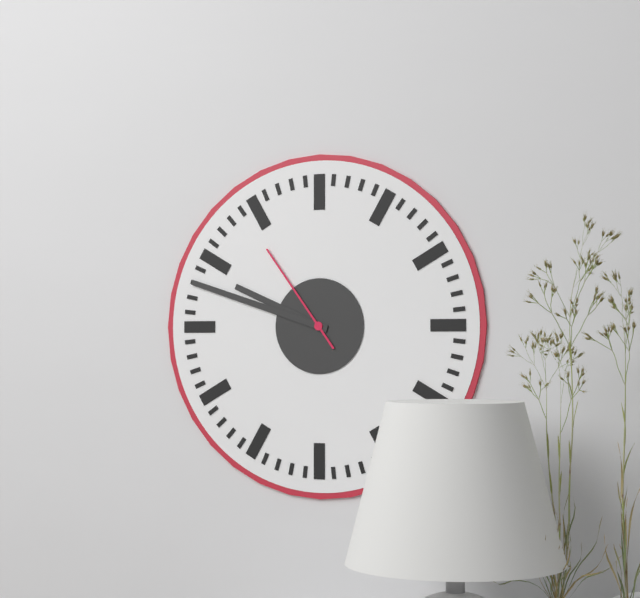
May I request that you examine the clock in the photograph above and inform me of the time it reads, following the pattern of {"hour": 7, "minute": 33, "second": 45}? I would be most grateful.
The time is {"hour": 9, "minute": 48, "second": 54}
